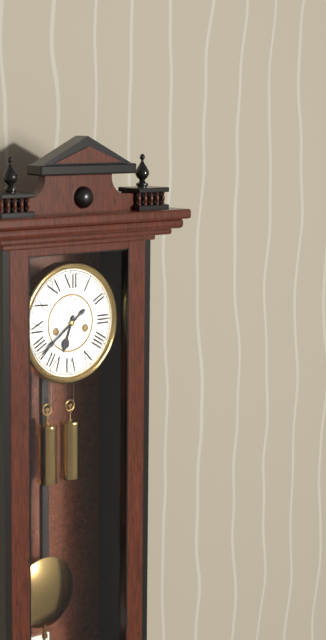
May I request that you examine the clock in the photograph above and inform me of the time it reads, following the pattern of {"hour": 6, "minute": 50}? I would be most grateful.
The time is {"hour": 6, "minute": 39}
